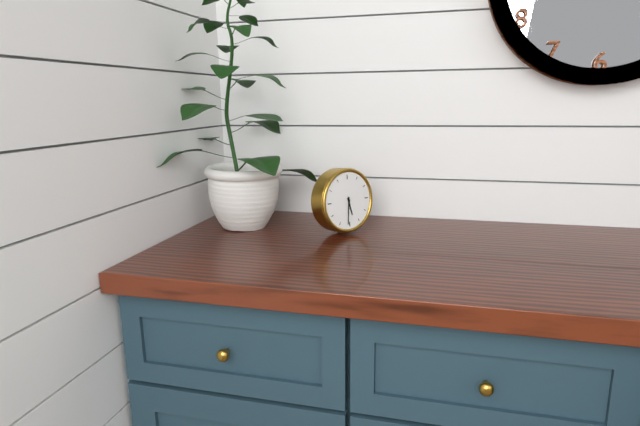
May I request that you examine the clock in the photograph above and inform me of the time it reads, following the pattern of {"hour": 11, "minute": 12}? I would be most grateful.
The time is {"hour": 5, "minute": 31}
